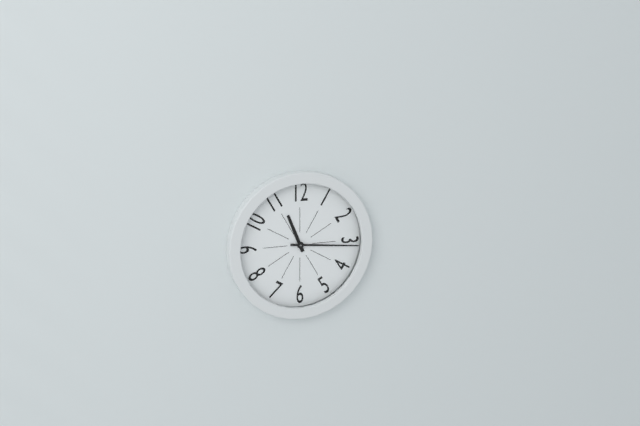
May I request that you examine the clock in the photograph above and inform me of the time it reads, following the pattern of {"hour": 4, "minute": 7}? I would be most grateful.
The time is {"hour": 11, "minute": 16}
